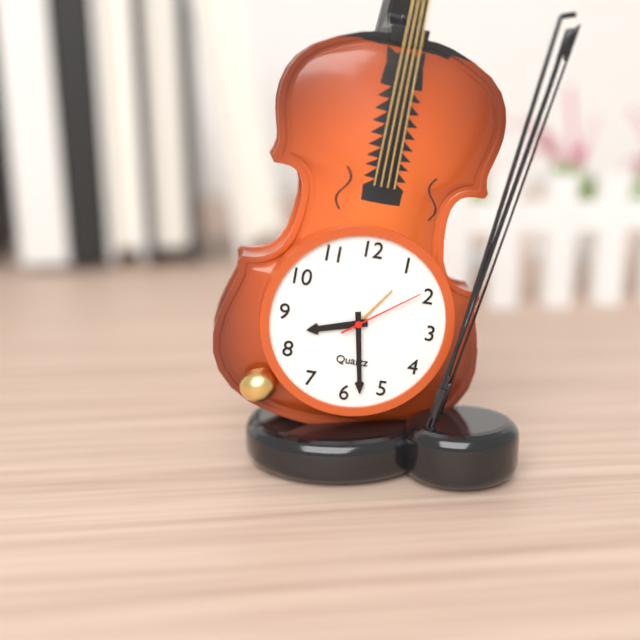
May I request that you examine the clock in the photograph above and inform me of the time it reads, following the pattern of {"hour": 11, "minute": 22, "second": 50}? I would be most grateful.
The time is {"hour": 8, "minute": 28, "second": 9}
